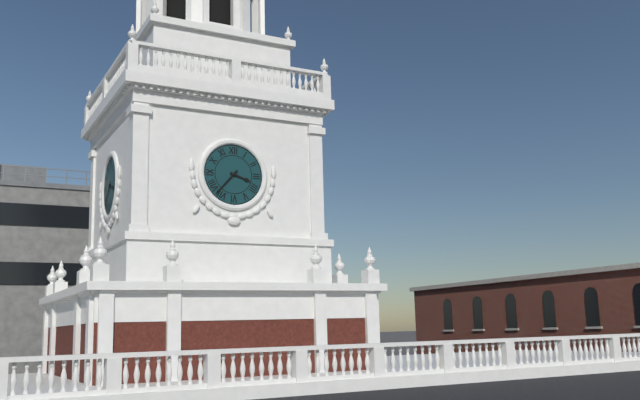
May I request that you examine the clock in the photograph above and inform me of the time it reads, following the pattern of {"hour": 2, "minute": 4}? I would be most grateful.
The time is {"hour": 3, "minute": 37}
